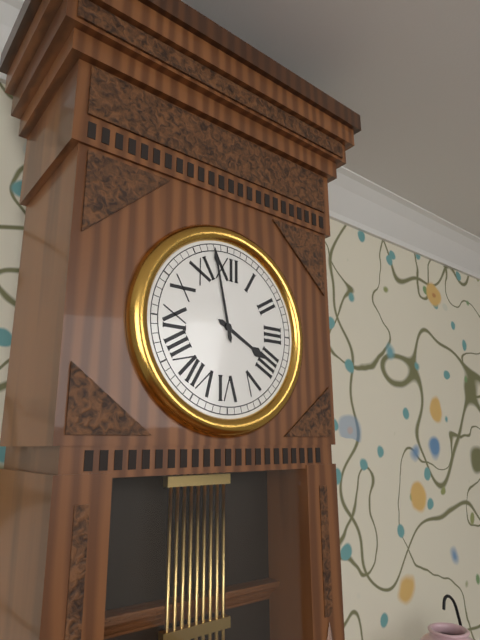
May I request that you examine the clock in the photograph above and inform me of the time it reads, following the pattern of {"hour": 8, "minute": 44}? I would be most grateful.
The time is {"hour": 3, "minute": 58}
